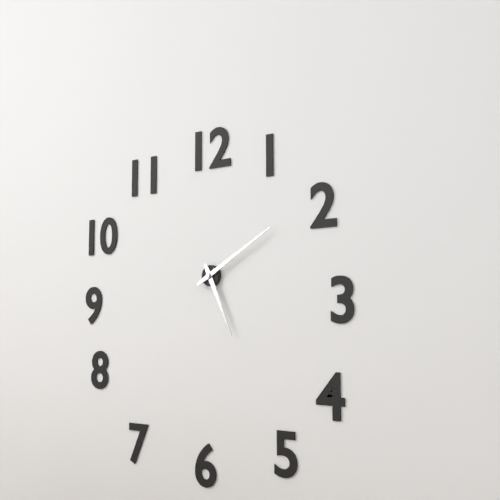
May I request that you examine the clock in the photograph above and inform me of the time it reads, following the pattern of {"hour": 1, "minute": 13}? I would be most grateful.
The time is {"hour": 5, "minute": 10}
